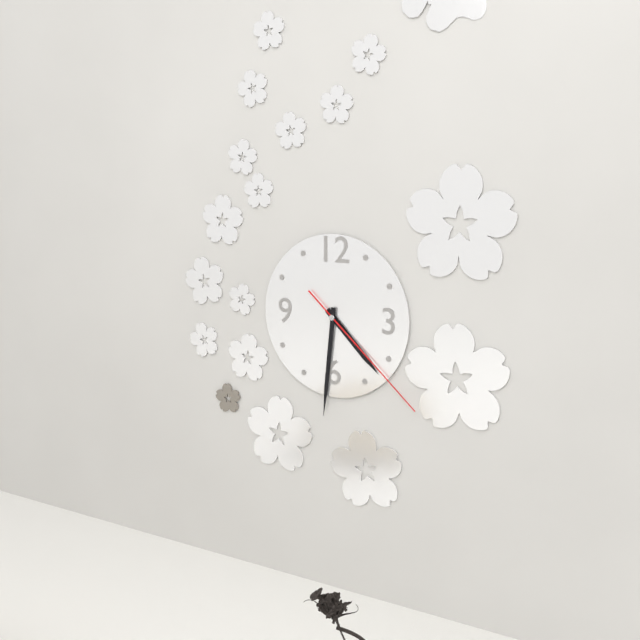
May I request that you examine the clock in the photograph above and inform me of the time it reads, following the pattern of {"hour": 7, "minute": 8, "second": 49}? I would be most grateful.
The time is {"hour": 4, "minute": 31, "second": 22}
